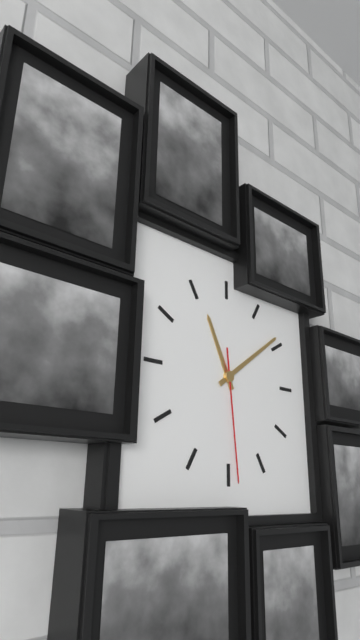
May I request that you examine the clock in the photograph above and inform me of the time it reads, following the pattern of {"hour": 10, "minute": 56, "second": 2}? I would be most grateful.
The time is {"hour": 11, "minute": 9, "second": 29}
